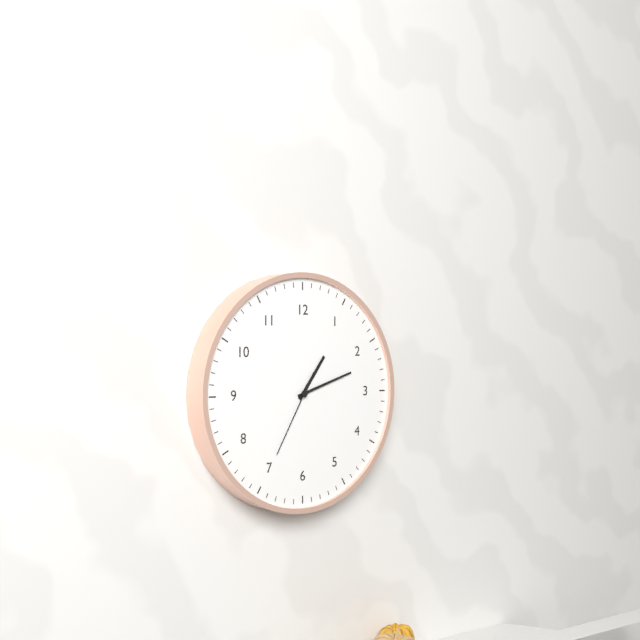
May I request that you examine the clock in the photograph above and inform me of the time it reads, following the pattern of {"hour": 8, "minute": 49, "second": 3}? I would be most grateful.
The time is {"hour": 1, "minute": 12, "second": 35}
